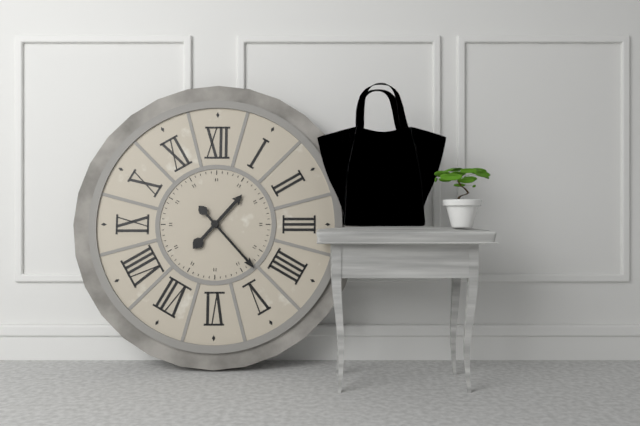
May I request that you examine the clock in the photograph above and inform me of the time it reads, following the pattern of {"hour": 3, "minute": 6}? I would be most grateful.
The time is {"hour": 1, "minute": 23}
